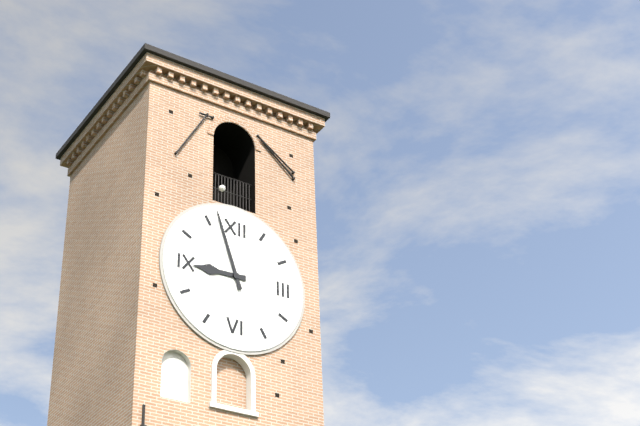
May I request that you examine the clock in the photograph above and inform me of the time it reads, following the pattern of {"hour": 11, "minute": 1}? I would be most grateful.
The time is {"hour": 8, "minute": 57}
